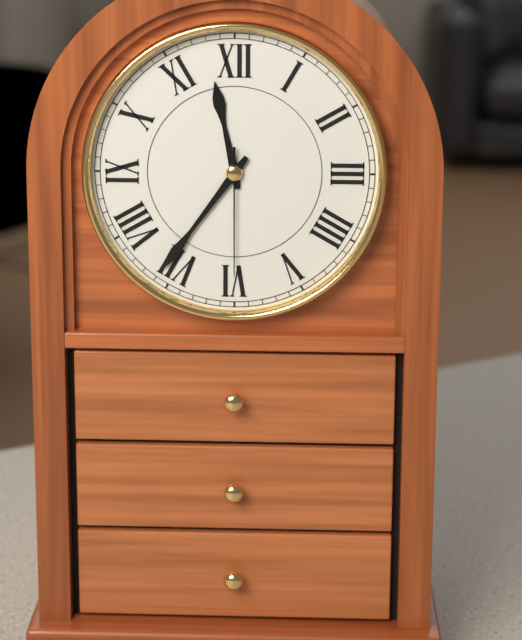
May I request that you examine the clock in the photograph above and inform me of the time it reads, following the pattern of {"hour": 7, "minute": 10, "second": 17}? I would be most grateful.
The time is {"hour": 11, "minute": 36, "second": 30}
